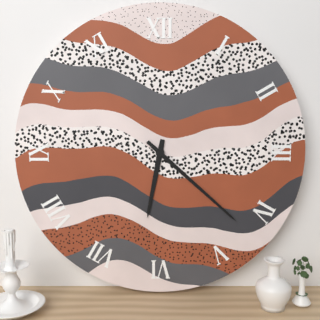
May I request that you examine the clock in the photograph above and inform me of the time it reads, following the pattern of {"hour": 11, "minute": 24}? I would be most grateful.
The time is {"hour": 6, "minute": 22}
